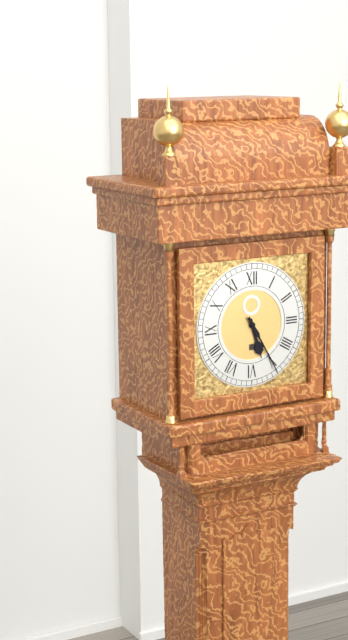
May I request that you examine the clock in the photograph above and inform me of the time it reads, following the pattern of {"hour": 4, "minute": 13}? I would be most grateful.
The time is {"hour": 5, "minute": 25}
